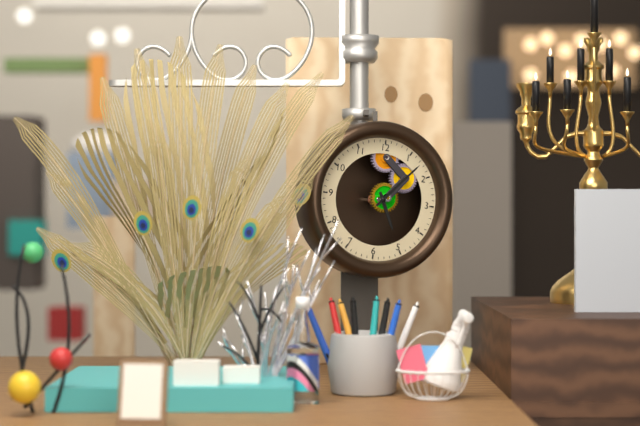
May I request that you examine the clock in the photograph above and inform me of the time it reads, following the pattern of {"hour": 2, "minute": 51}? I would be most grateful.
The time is {"hour": 5, "minute": 7}
